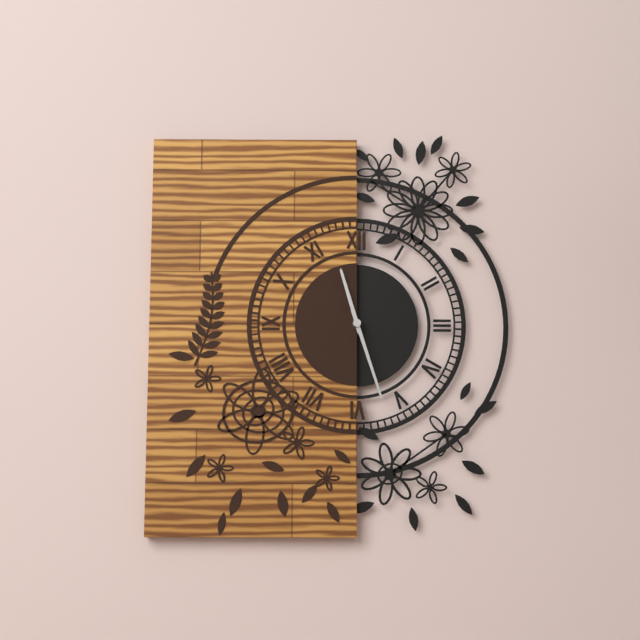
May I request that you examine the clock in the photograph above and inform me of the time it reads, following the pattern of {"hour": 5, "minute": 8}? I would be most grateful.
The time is {"hour": 11, "minute": 27}
